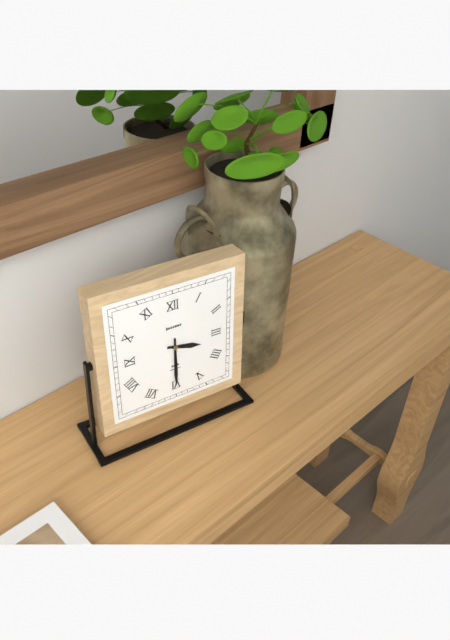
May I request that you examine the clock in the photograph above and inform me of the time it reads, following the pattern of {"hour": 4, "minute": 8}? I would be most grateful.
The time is {"hour": 3, "minute": 30}
